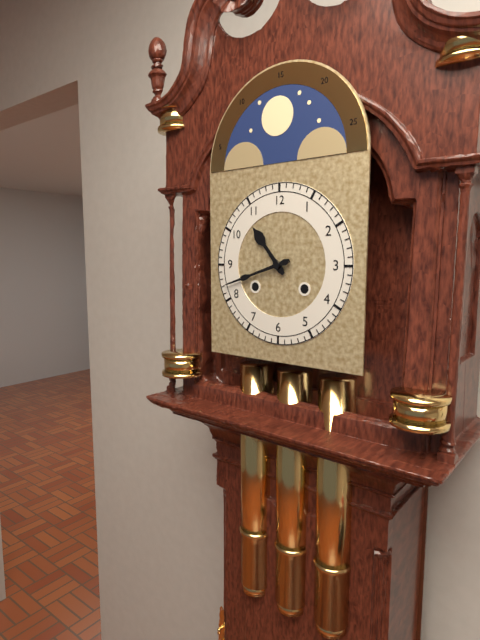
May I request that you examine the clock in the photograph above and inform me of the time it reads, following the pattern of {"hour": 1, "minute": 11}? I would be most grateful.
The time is {"hour": 10, "minute": 42}
